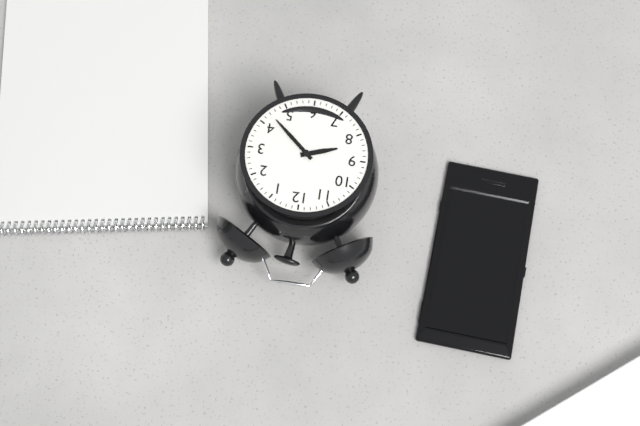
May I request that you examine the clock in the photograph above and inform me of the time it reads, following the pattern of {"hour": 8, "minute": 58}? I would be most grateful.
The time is {"hour": 8, "minute": 22}
